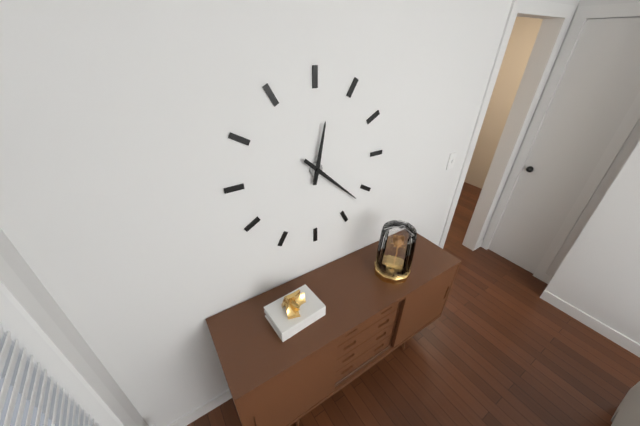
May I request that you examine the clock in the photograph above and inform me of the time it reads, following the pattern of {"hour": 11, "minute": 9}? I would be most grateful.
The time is {"hour": 12, "minute": 22}
